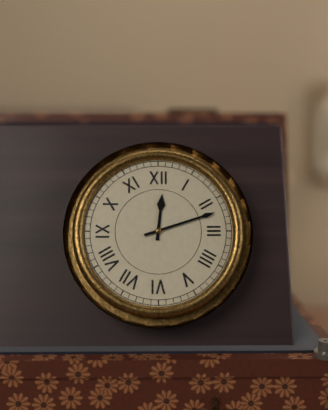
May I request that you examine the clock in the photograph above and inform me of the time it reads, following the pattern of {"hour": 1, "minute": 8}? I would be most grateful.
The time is {"hour": 12, "minute": 12}
